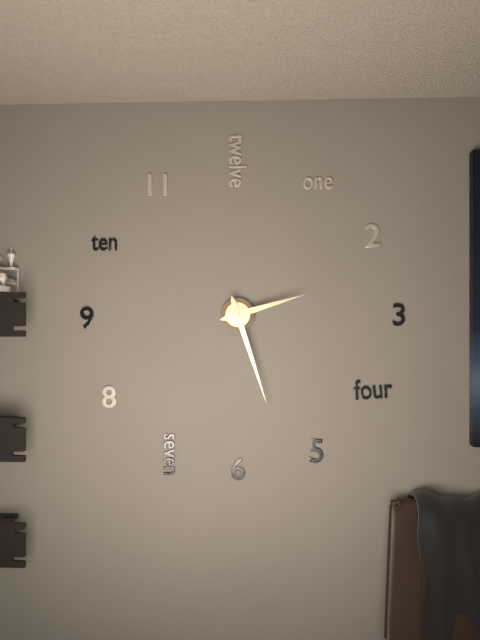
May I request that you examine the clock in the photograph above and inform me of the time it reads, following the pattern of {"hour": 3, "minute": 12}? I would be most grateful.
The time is {"hour": 2, "minute": 27}
